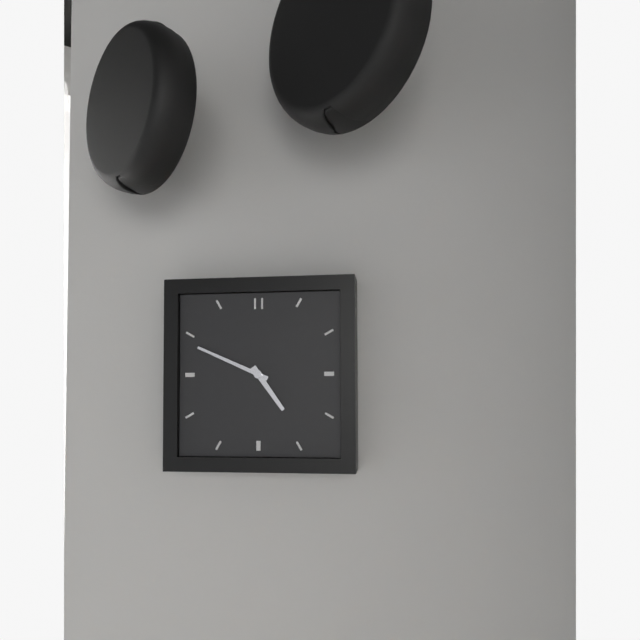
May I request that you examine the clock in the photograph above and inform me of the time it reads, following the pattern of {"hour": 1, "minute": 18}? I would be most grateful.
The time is {"hour": 4, "minute": 49}
